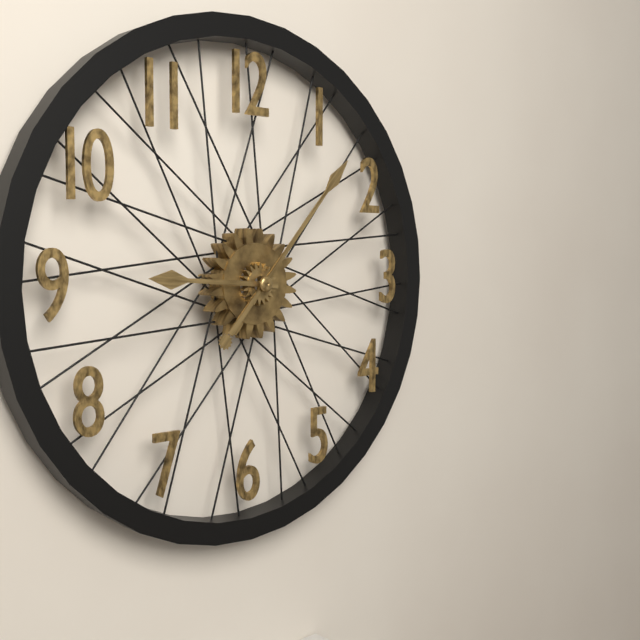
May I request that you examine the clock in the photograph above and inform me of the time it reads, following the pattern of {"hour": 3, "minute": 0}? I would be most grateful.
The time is {"hour": 9, "minute": 7}
